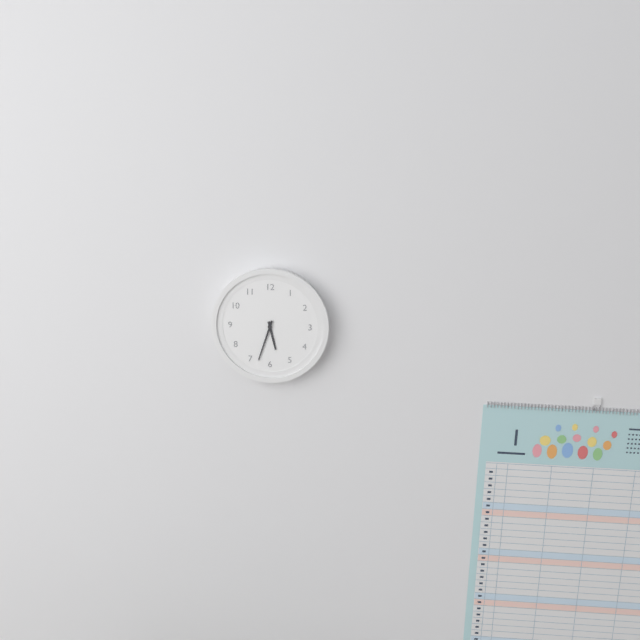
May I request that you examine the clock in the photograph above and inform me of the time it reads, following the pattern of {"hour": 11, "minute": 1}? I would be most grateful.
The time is {"hour": 5, "minute": 33}
